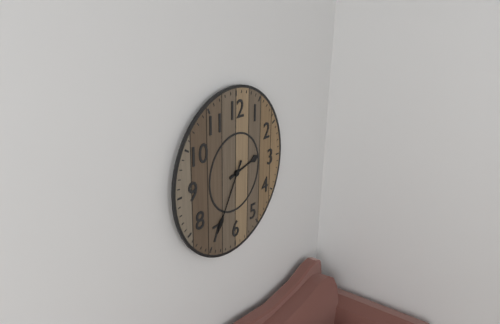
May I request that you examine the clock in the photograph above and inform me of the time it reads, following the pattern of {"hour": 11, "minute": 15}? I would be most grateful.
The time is {"hour": 2, "minute": 35}
